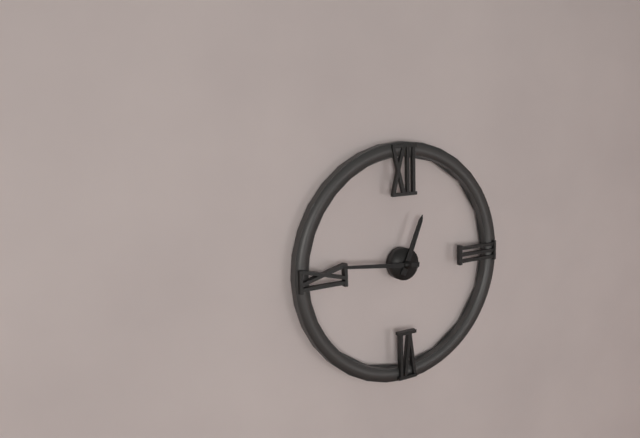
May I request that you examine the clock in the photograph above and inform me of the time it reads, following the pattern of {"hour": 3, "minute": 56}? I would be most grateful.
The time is {"hour": 12, "minute": 46}
